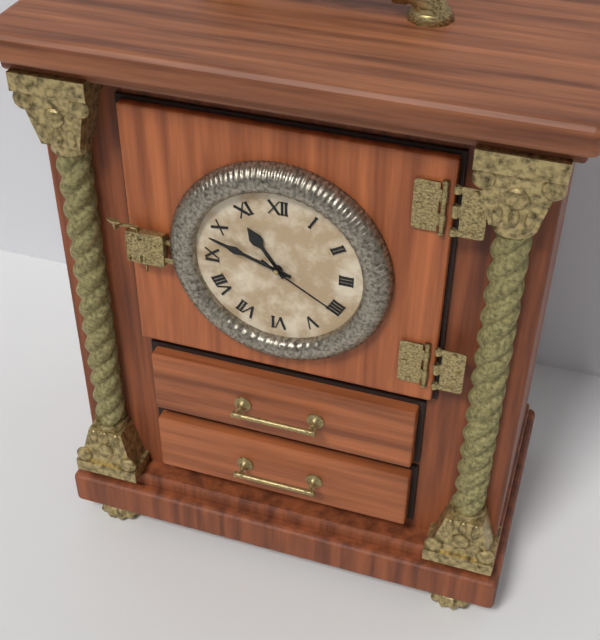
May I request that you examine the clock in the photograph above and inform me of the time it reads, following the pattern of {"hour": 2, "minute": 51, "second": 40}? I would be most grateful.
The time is {"hour": 10, "minute": 48, "second": 20}
